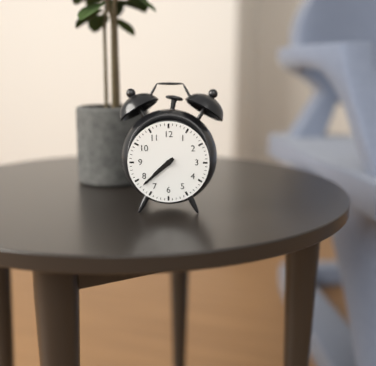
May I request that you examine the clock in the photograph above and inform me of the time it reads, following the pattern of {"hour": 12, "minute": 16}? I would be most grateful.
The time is {"hour": 7, "minute": 38}
